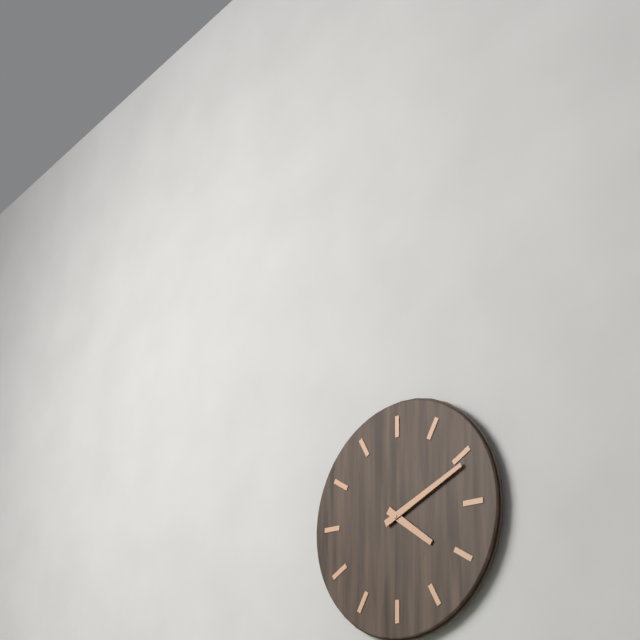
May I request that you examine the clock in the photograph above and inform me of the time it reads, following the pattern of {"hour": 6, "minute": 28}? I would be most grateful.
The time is {"hour": 4, "minute": 11}
